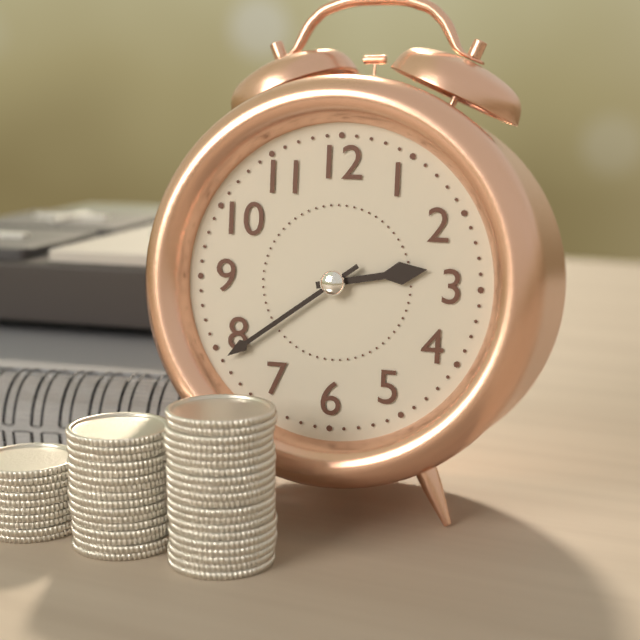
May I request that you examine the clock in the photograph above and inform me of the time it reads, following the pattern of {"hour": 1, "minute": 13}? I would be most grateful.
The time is {"hour": 2, "minute": 39}
